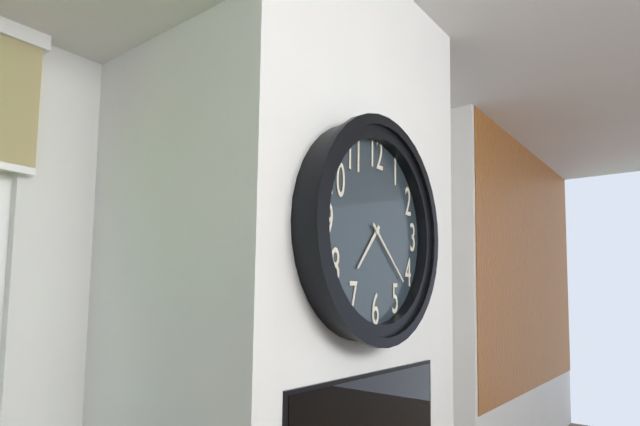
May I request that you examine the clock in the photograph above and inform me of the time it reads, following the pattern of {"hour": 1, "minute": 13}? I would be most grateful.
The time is {"hour": 7, "minute": 22}
